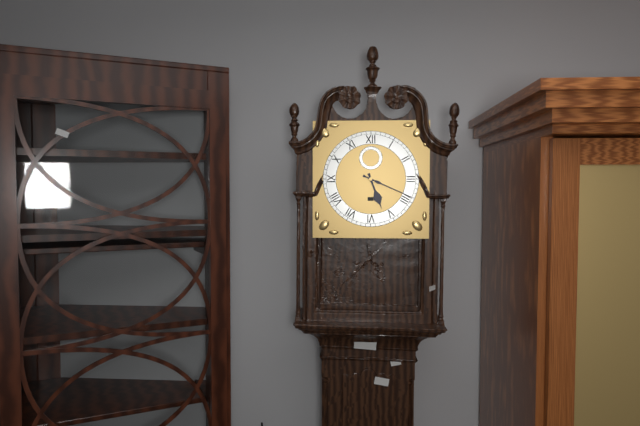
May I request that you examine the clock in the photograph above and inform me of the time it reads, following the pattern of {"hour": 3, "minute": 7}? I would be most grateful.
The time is {"hour": 5, "minute": 19}
